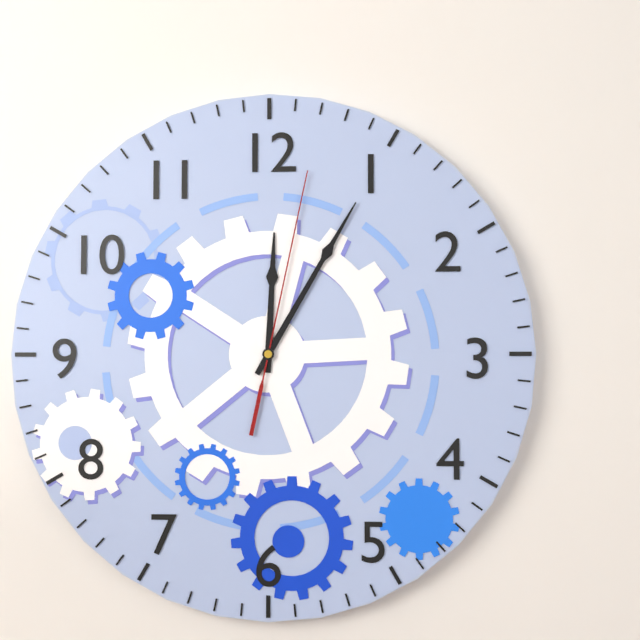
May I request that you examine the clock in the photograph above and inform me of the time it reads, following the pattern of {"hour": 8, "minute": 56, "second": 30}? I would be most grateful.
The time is {"hour": 12, "minute": 5, "second": 2}
